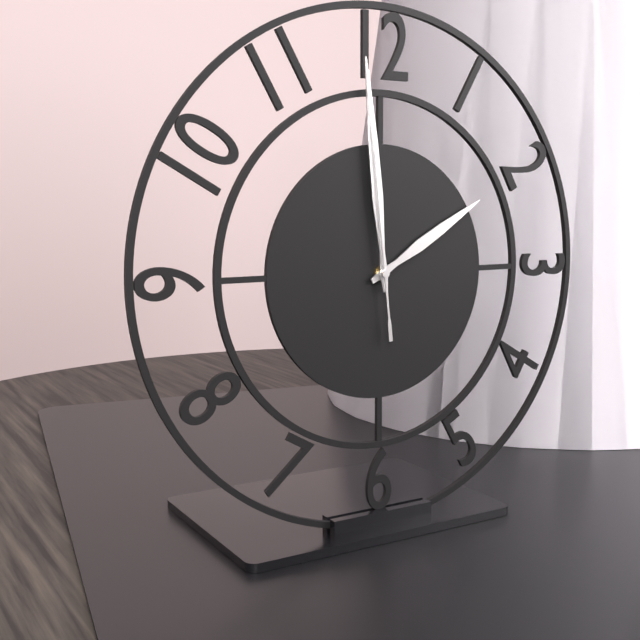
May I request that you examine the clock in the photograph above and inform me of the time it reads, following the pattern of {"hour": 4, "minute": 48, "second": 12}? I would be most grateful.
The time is {"hour": 1, "minute": 59, "second": 59}
